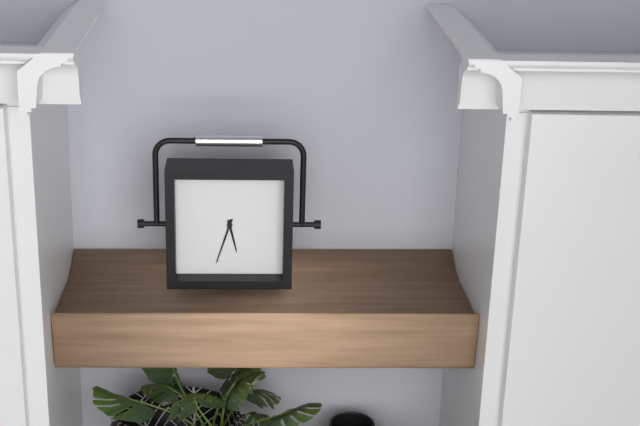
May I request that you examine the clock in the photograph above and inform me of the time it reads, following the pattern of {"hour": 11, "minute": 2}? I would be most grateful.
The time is {"hour": 5, "minute": 33}
